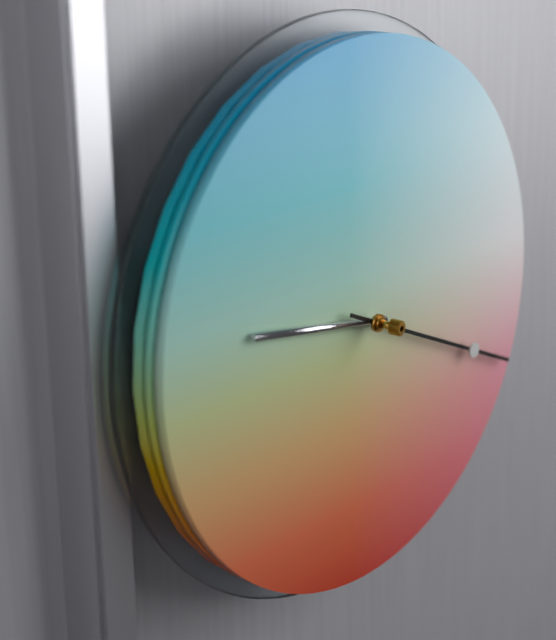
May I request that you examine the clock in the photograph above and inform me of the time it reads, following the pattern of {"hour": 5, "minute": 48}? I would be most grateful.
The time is {"hour": 9, "minute": 19}
